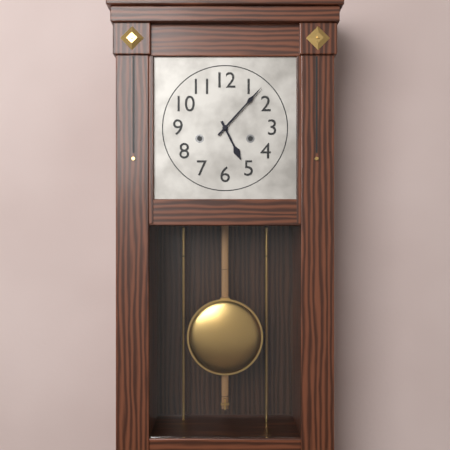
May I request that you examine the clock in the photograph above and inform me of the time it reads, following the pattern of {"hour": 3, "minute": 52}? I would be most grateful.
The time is {"hour": 5, "minute": 7}
